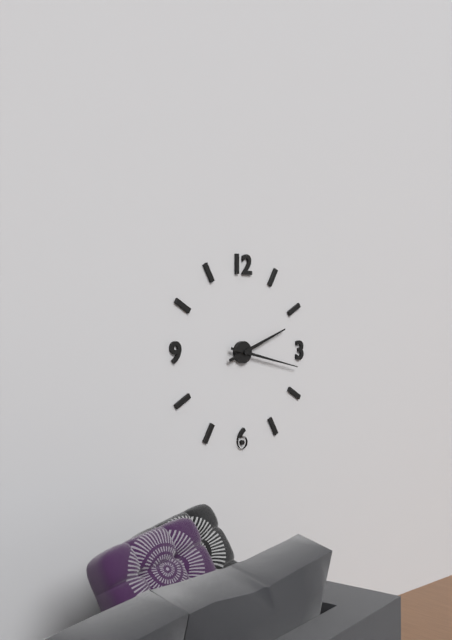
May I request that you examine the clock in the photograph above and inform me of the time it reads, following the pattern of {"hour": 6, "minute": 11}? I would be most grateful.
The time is {"hour": 2, "minute": 17}
